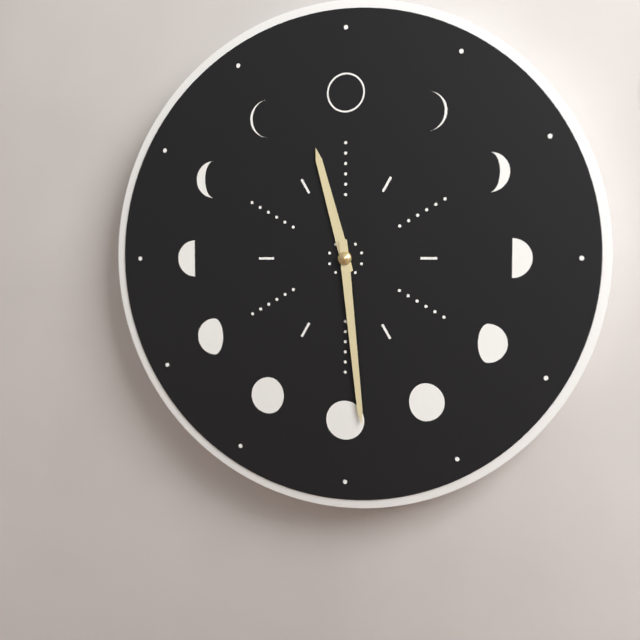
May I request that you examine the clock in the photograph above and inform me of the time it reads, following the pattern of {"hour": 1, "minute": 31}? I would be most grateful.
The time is {"hour": 11, "minute": 29}
